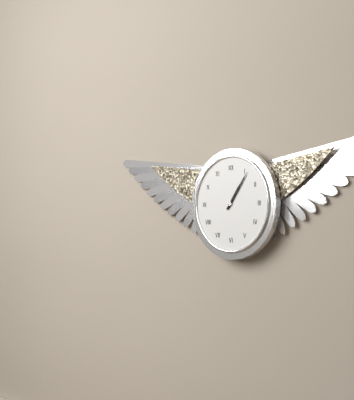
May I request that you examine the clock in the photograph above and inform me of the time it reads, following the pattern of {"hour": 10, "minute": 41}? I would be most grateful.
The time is {"hour": 1, "minute": 6}
